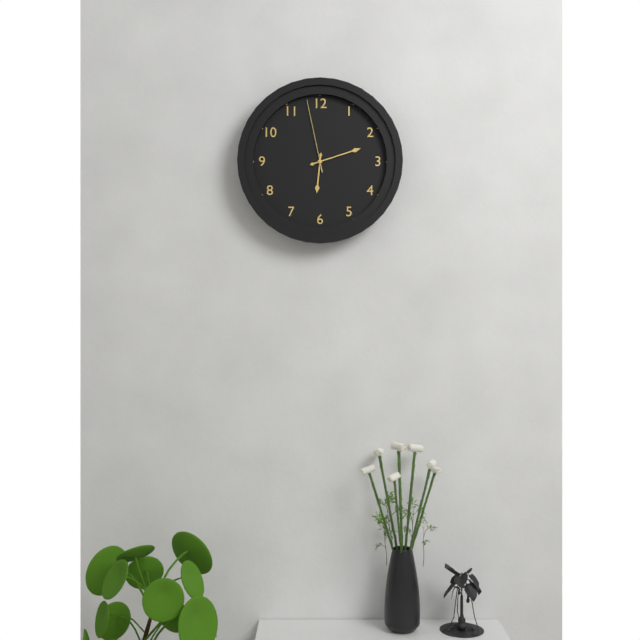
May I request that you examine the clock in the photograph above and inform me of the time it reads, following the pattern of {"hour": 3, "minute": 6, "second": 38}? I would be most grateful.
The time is {"hour": 6, "minute": 12, "second": 58}
